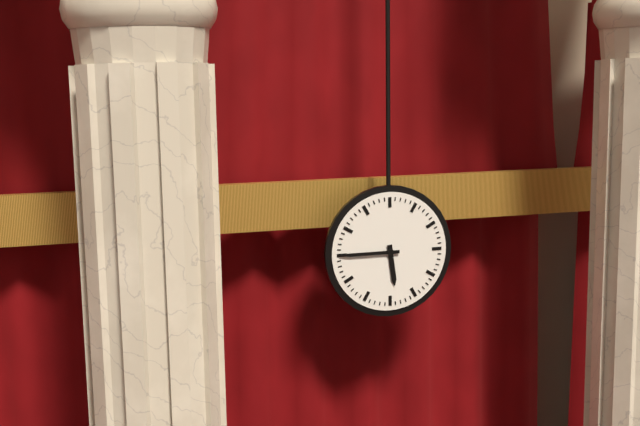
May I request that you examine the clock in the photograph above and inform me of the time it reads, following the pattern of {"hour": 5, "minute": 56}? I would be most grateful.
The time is {"hour": 5, "minute": 45}
